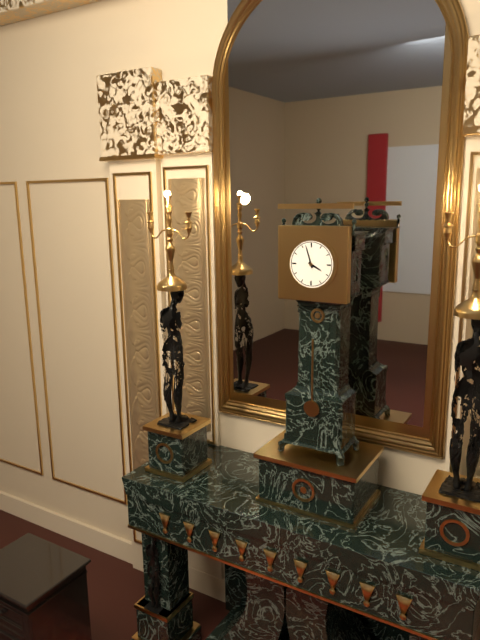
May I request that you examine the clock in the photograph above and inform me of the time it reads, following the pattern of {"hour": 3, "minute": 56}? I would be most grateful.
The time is {"hour": 3, "minute": 57}
